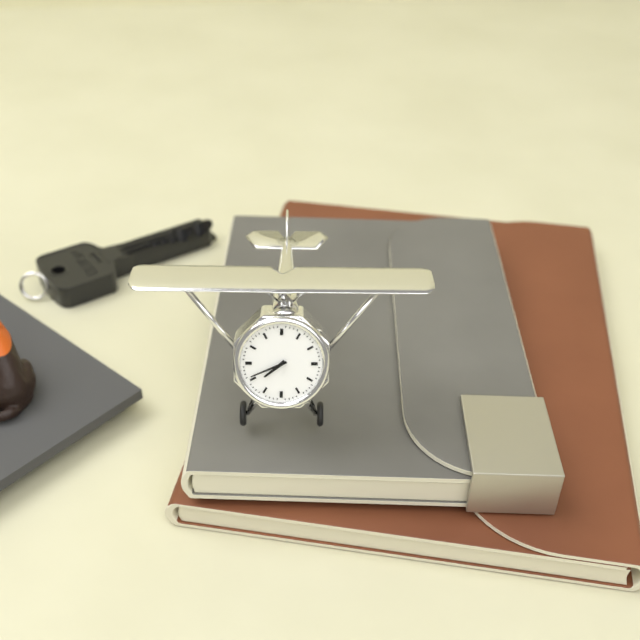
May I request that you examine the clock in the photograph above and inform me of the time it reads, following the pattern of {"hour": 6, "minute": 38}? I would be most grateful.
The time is {"hour": 7, "minute": 41}
